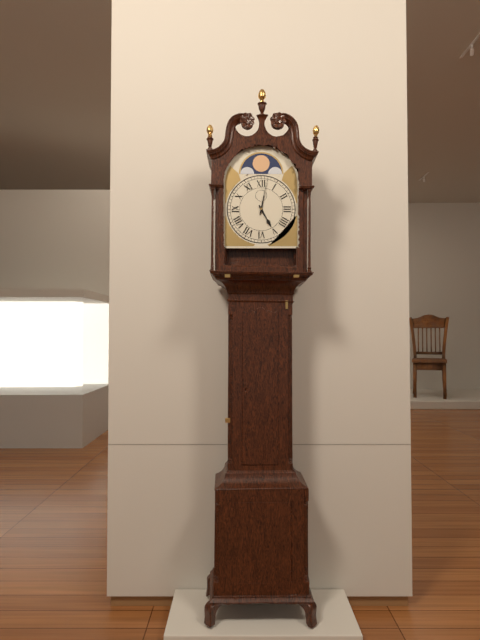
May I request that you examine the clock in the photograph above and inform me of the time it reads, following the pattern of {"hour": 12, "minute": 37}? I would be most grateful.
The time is {"hour": 5, "minute": 2}
